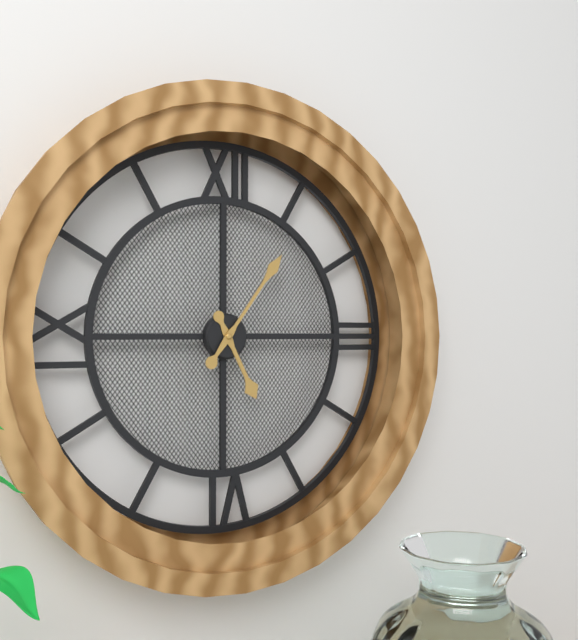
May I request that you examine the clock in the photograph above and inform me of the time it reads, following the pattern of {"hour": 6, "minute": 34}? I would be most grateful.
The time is {"hour": 5, "minute": 6}
